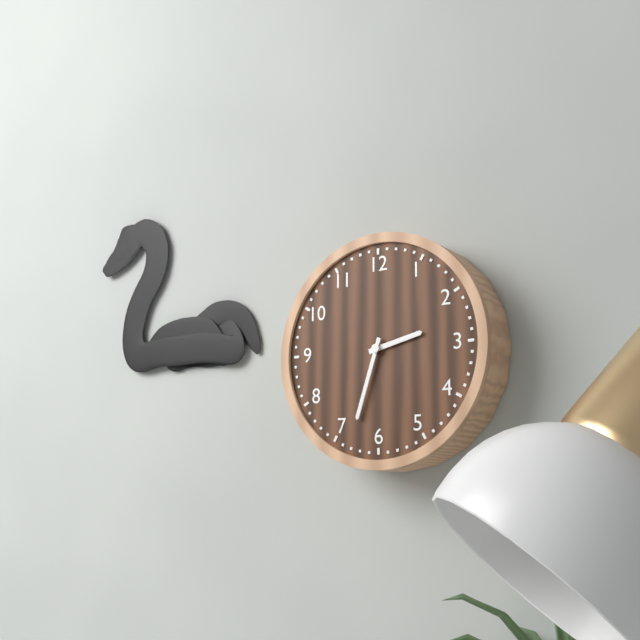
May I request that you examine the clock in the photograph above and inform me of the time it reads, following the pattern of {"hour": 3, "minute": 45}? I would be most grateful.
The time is {"hour": 2, "minute": 33}
